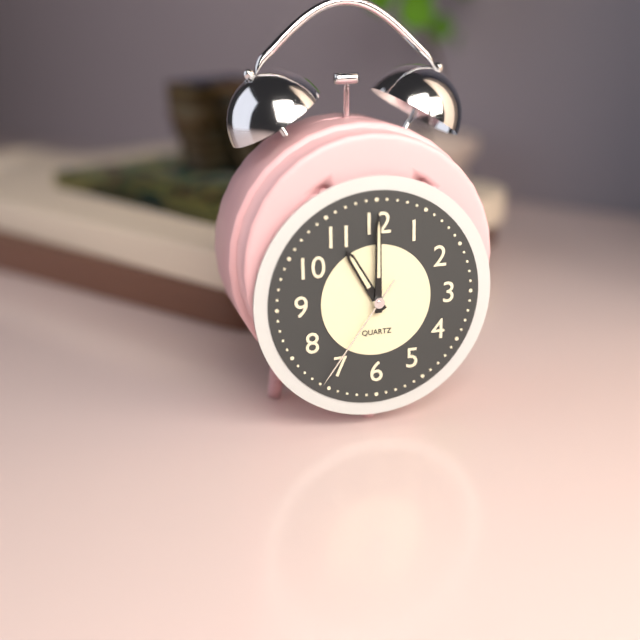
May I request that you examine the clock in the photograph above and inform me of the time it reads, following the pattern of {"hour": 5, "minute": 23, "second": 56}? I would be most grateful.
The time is {"hour": 11, "minute": 0, "second": 36}
